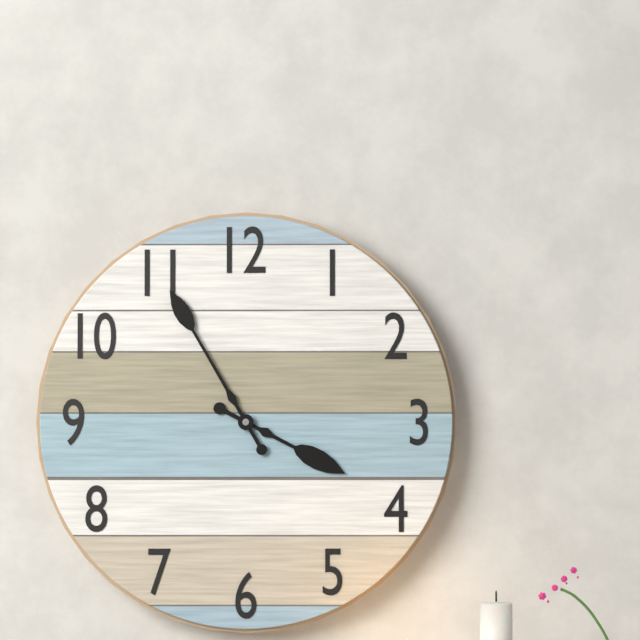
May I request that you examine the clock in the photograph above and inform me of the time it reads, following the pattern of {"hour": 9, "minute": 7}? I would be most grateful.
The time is {"hour": 3, "minute": 55}
